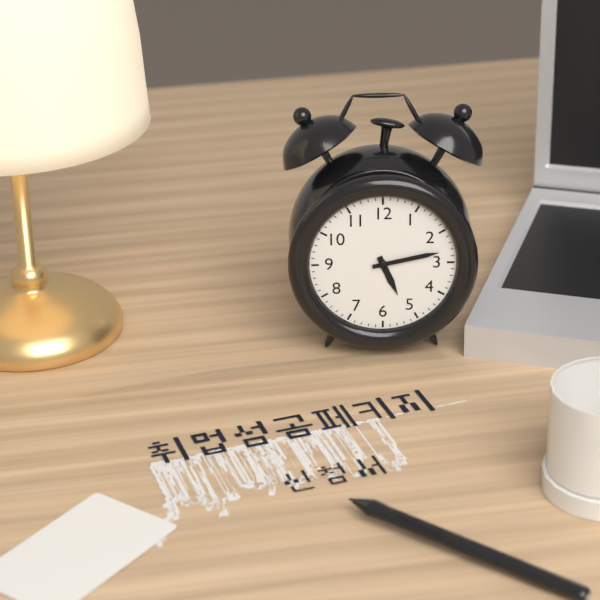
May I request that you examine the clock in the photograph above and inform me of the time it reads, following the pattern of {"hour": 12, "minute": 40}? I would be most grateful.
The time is {"hour": 5, "minute": 13}
